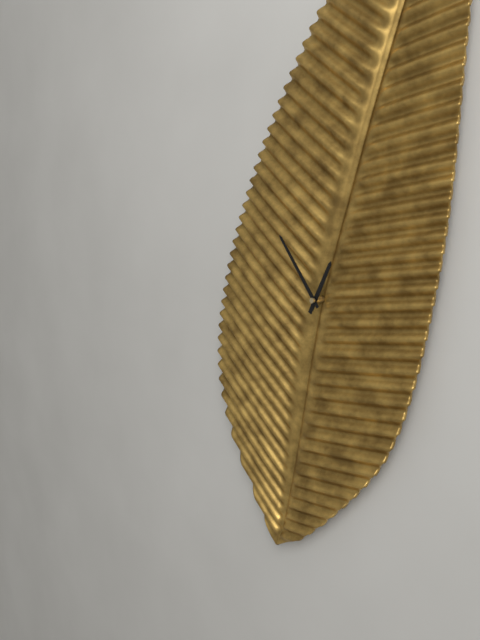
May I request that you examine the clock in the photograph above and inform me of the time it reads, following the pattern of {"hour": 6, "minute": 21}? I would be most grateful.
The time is {"hour": 12, "minute": 54}
